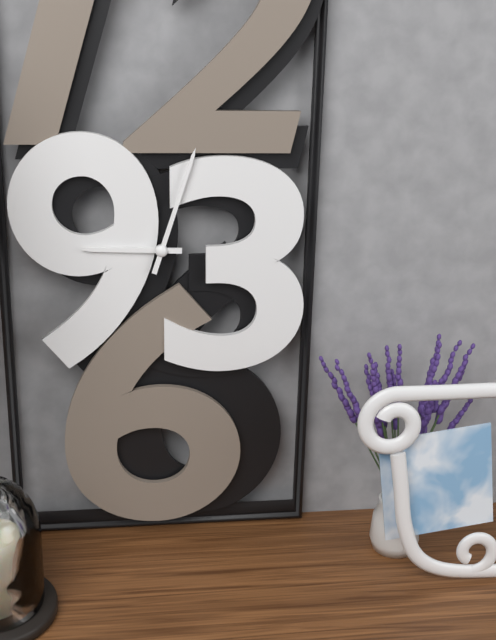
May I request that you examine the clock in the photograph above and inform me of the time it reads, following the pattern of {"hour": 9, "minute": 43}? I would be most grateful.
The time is {"hour": 9, "minute": 3}
